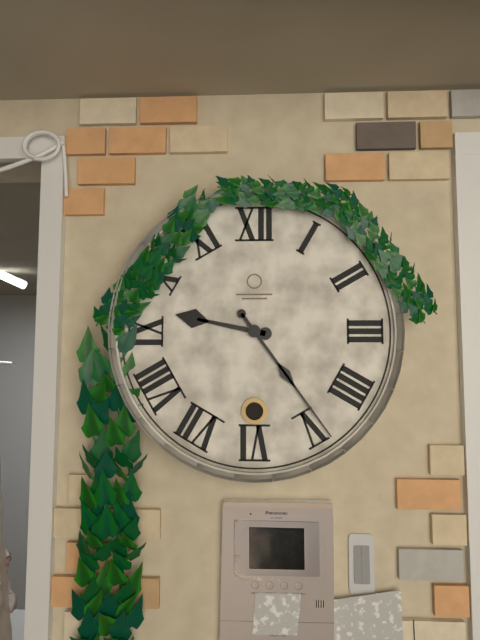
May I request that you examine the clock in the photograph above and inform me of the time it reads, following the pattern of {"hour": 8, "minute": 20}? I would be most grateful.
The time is {"hour": 9, "minute": 24}
